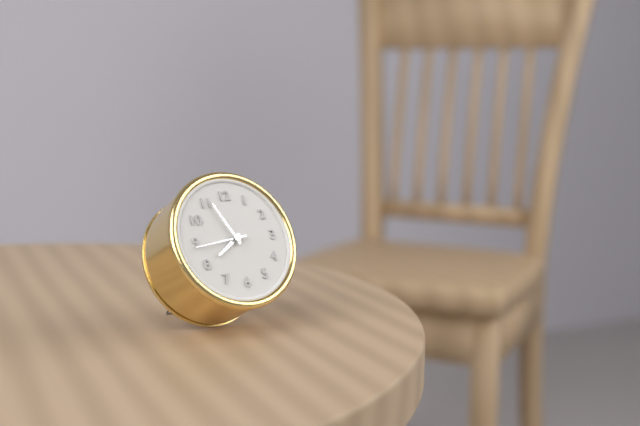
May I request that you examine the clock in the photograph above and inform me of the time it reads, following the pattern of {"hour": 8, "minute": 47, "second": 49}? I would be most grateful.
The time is {"hour": 7, "minute": 56, "second": 44}
